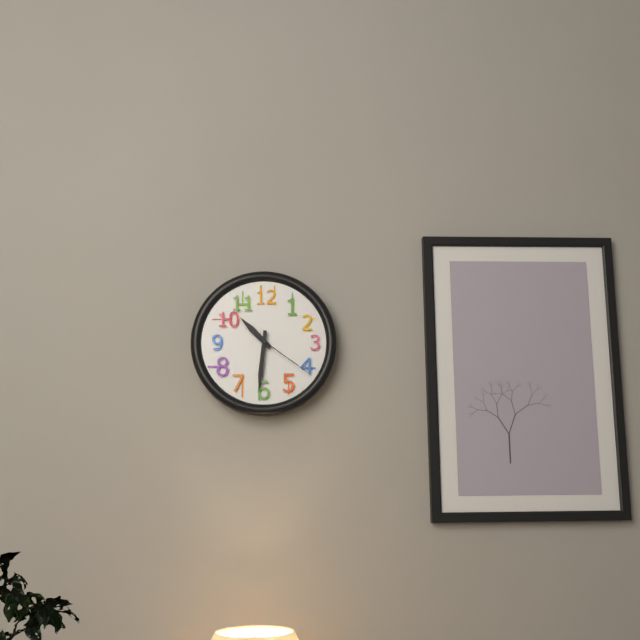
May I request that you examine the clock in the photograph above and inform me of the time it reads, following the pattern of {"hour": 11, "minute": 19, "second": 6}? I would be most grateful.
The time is {"hour": 10, "minute": 31, "second": 21}
